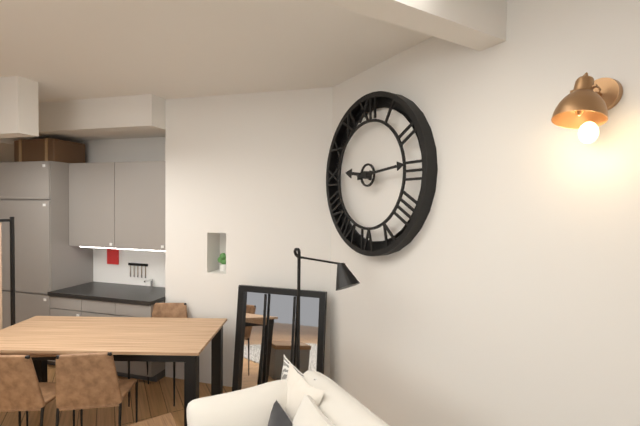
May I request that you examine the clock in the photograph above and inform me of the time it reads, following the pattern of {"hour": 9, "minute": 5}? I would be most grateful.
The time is {"hour": 9, "minute": 14}
